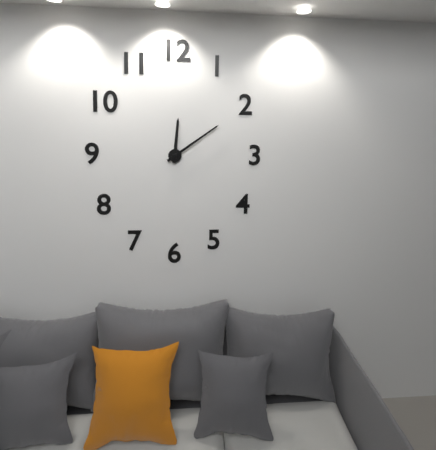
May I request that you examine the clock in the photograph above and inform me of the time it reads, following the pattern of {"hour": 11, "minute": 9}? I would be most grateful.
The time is {"hour": 12, "minute": 9}
